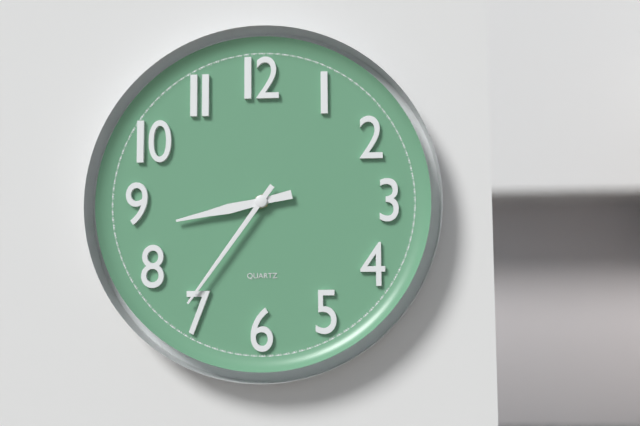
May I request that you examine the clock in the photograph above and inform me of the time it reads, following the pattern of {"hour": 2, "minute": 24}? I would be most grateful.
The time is {"hour": 8, "minute": 36}
